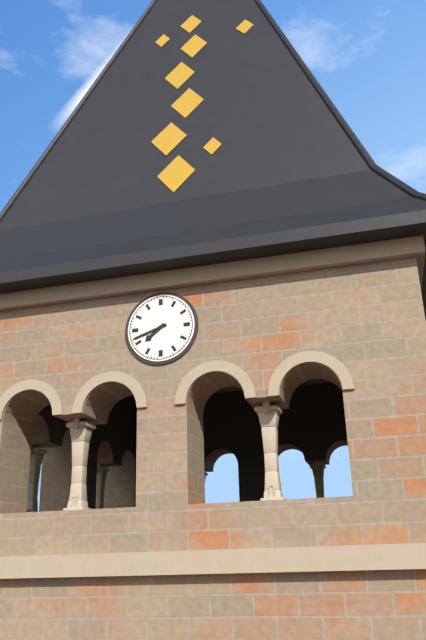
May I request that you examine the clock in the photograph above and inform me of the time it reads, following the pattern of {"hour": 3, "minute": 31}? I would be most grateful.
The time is {"hour": 7, "minute": 42}
